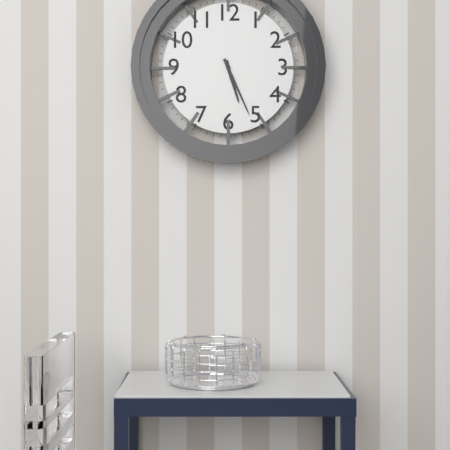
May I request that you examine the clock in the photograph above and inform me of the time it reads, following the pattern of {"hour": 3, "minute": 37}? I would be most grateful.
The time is {"hour": 5, "minute": 26}
